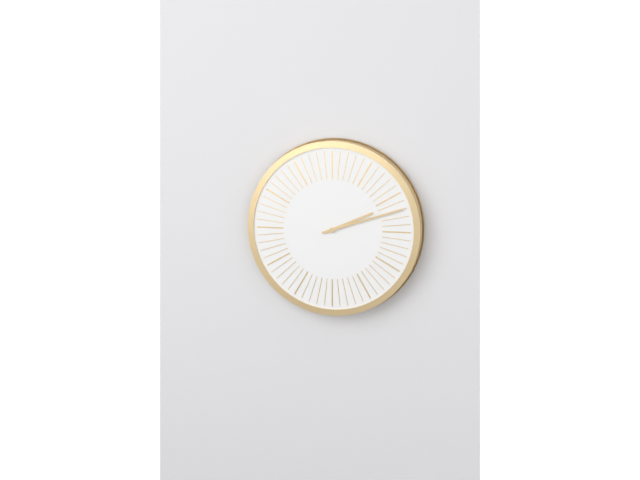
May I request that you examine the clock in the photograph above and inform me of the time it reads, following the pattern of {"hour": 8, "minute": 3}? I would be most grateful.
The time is {"hour": 2, "minute": 12}
